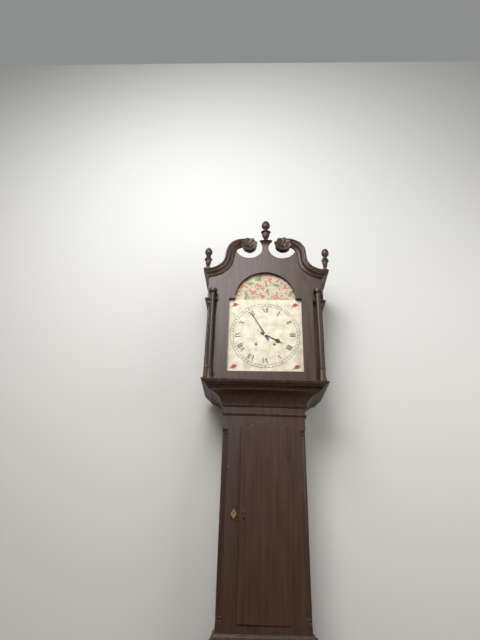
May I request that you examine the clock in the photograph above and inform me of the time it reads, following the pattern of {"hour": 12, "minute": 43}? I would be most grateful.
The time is {"hour": 3, "minute": 55}
